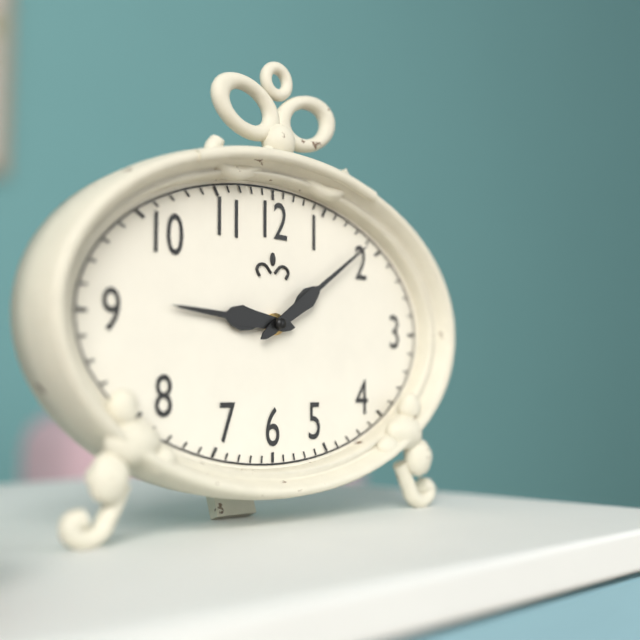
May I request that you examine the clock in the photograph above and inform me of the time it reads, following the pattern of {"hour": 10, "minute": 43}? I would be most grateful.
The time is {"hour": 9, "minute": 9}
